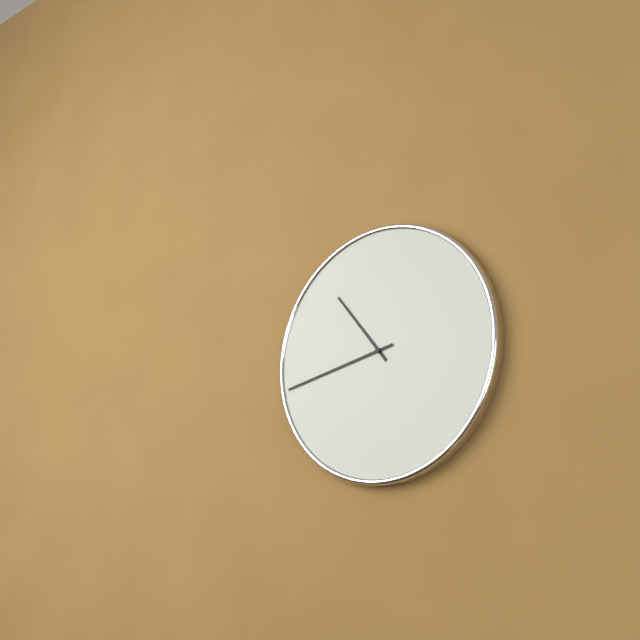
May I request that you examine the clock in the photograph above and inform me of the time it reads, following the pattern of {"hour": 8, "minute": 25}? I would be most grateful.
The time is {"hour": 10, "minute": 43}
